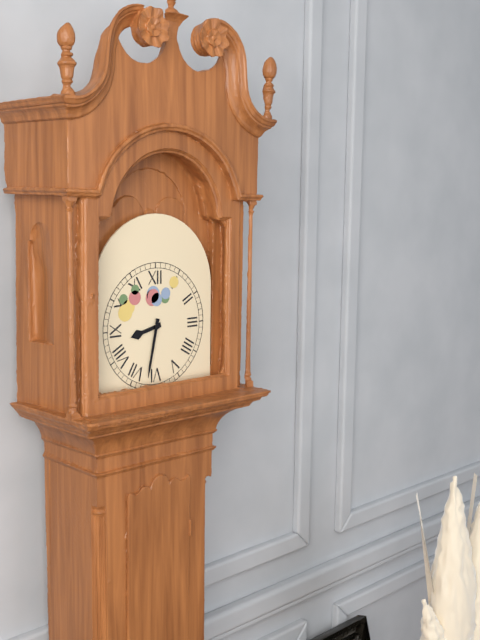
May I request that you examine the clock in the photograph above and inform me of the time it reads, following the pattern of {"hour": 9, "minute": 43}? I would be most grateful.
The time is {"hour": 8, "minute": 32}
